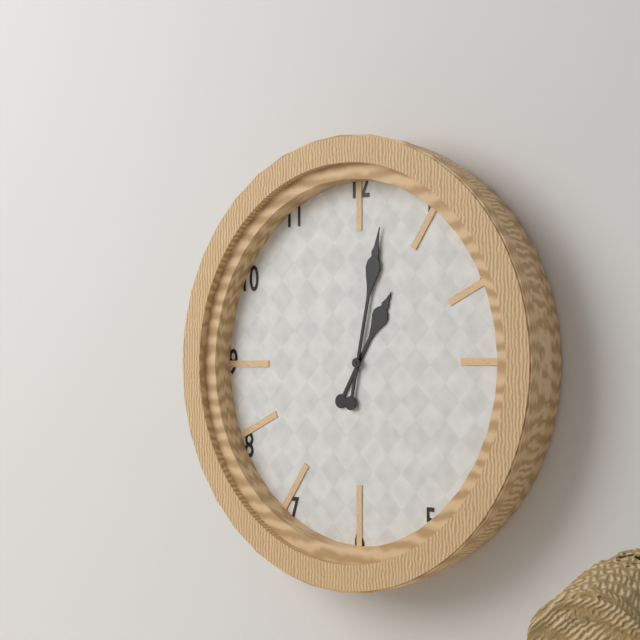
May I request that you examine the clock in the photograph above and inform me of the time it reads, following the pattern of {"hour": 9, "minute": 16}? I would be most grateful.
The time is {"hour": 1, "minute": 2}
